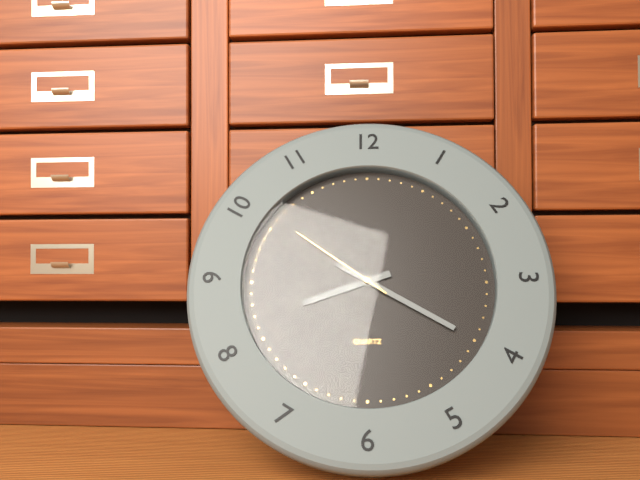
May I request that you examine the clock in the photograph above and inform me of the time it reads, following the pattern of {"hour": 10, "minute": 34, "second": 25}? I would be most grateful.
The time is {"hour": 8, "minute": 20, "second": 51}
